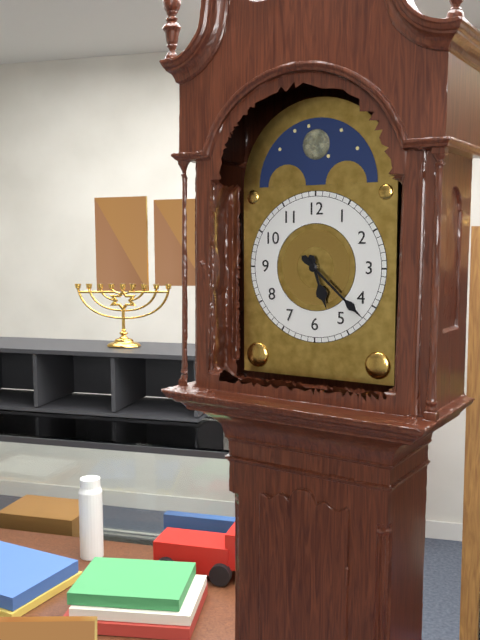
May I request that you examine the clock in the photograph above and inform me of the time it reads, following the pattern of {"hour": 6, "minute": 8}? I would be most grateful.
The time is {"hour": 5, "minute": 22}
